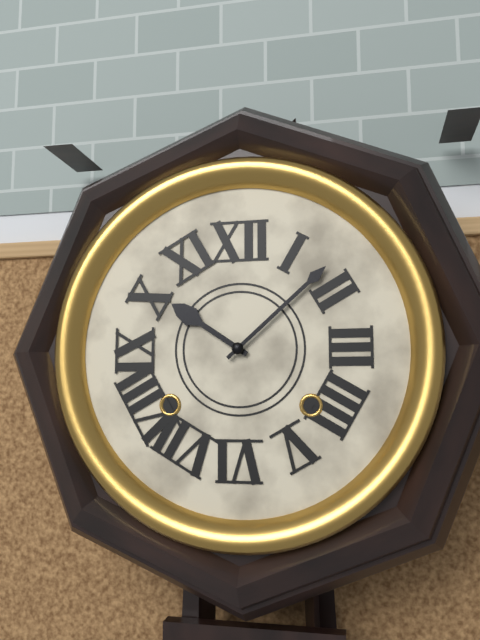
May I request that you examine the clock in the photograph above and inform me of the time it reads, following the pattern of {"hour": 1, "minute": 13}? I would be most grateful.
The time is {"hour": 10, "minute": 8}
